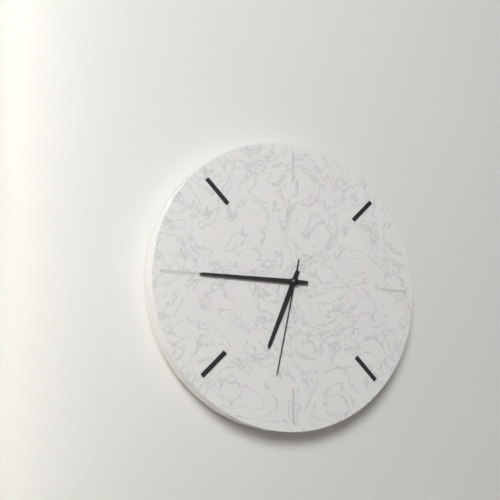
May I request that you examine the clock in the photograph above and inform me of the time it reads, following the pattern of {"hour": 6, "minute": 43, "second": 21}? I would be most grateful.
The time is {"hour": 6, "minute": 45, "second": 32}
